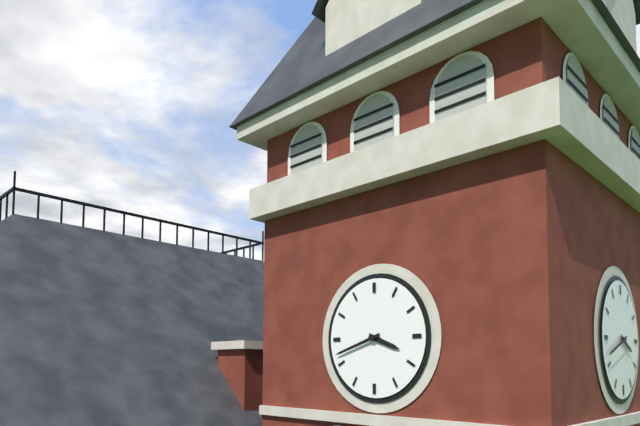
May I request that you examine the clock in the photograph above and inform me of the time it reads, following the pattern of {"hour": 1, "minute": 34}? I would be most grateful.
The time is {"hour": 3, "minute": 42}
